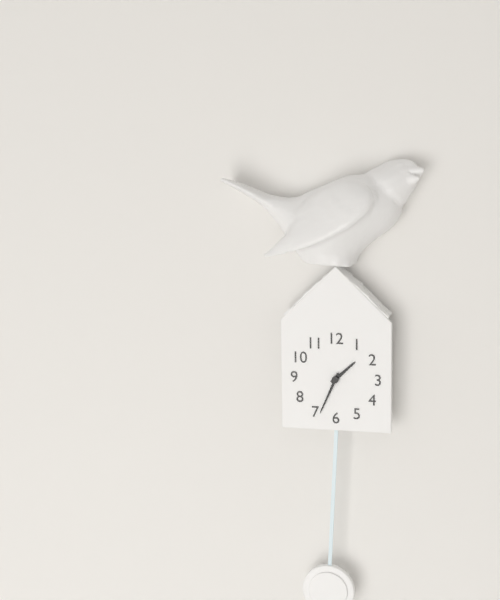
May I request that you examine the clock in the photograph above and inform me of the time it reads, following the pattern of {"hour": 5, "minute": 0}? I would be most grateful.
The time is {"hour": 1, "minute": 34}
